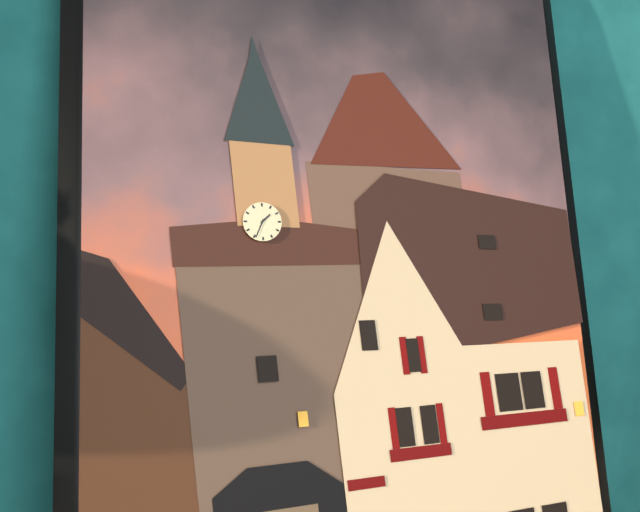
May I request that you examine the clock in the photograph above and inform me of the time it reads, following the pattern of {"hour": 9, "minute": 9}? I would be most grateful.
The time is {"hour": 1, "minute": 34}
